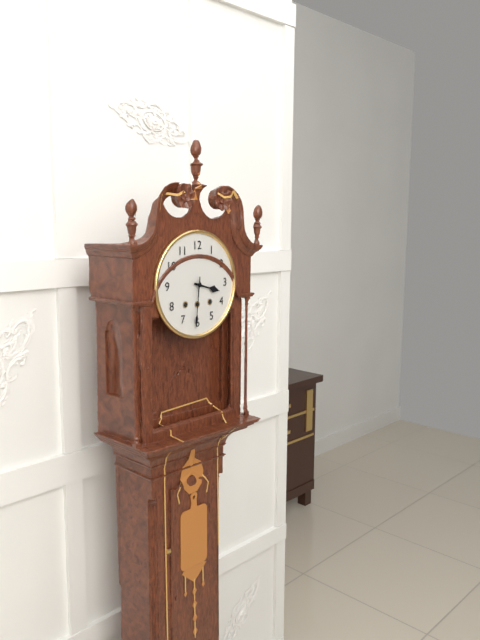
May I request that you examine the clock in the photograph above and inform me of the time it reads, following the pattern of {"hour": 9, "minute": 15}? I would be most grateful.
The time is {"hour": 3, "minute": 31}
